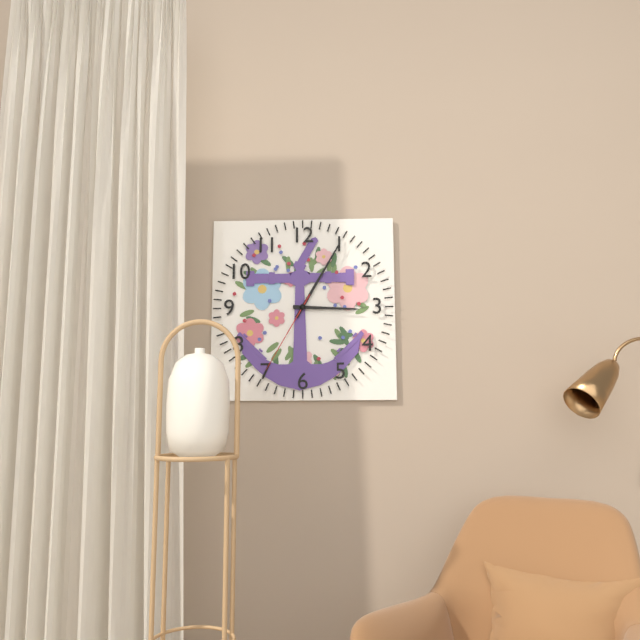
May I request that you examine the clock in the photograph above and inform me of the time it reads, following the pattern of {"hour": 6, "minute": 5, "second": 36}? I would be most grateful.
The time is {"hour": 3, "minute": 5, "second": 35}
